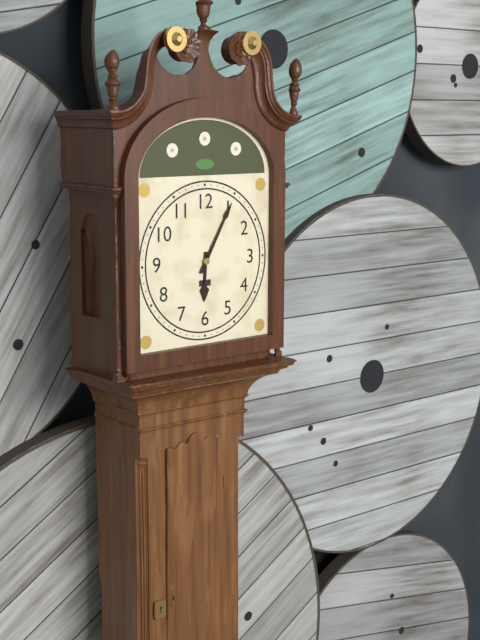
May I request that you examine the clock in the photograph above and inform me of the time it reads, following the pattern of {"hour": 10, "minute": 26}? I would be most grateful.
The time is {"hour": 6, "minute": 5}
